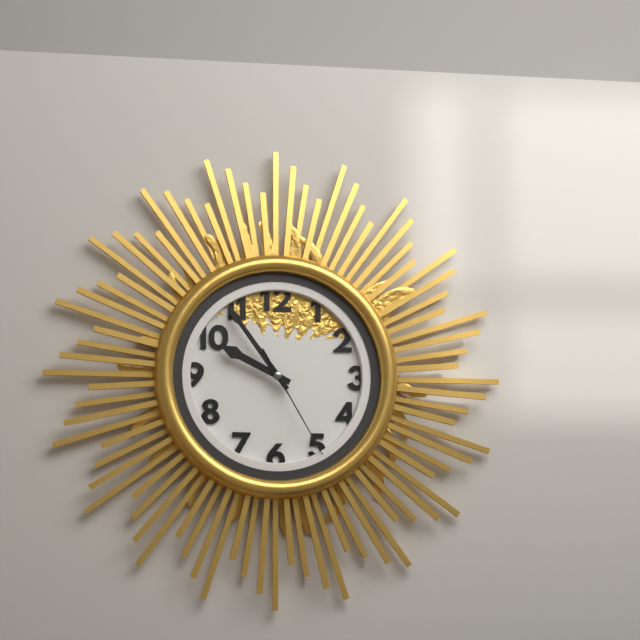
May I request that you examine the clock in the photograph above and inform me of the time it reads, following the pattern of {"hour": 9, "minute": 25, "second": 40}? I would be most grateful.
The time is {"hour": 9, "minute": 54, "second": 25}
